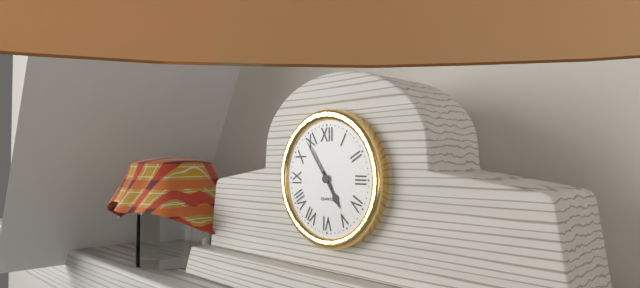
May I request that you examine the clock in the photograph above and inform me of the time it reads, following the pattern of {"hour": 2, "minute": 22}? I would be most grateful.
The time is {"hour": 4, "minute": 54}
